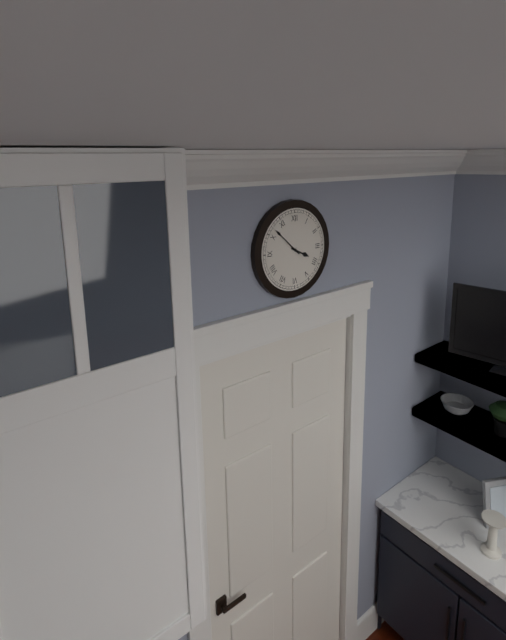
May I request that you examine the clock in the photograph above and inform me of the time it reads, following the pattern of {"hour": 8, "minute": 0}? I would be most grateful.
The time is {"hour": 3, "minute": 52}
